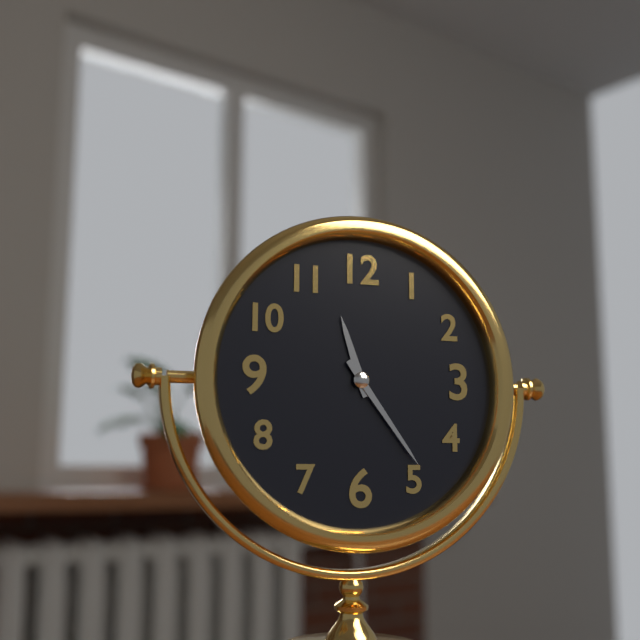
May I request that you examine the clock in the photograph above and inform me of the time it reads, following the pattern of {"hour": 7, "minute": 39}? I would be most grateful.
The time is {"hour": 11, "minute": 24}
